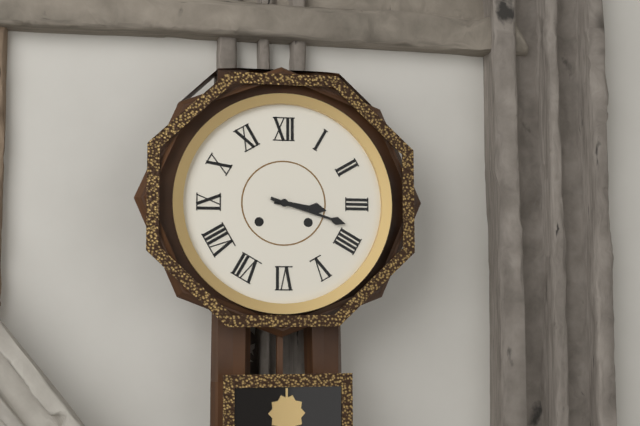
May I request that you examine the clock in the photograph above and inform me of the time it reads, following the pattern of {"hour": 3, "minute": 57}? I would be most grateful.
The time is {"hour": 3, "minute": 18}
